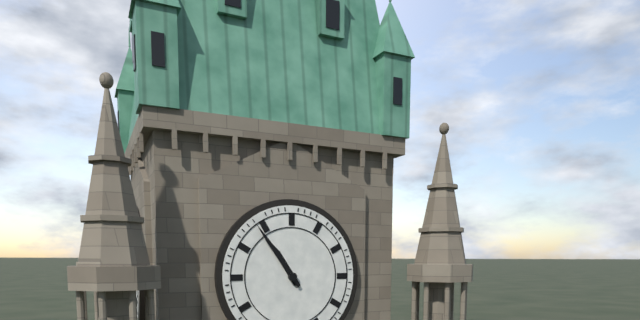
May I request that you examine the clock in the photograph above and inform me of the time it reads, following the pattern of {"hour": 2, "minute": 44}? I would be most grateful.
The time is {"hour": 10, "minute": 54}
